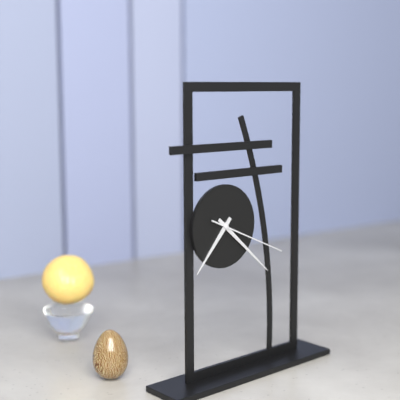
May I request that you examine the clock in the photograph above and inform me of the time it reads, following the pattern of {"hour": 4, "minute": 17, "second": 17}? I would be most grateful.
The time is {"hour": 7, "minute": 22, "second": 19}
